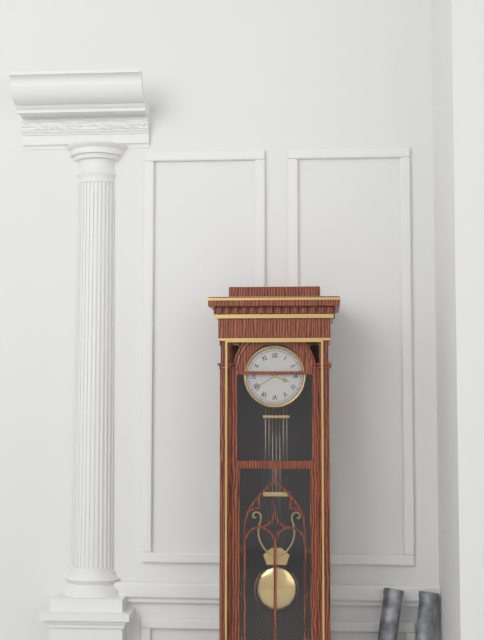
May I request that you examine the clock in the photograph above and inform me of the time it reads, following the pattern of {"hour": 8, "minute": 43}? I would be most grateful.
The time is {"hour": 3, "minute": 40}
